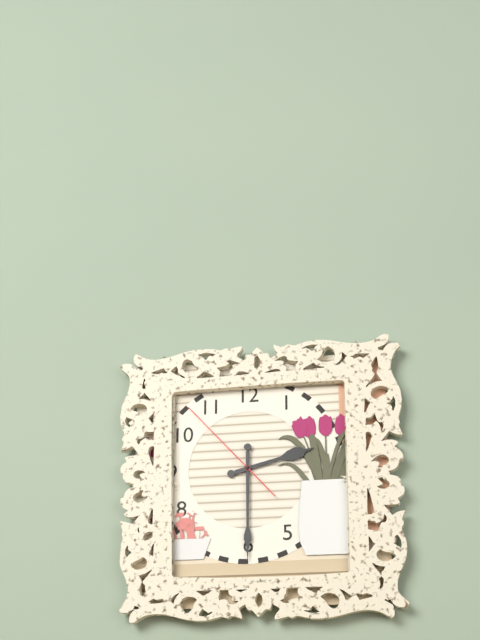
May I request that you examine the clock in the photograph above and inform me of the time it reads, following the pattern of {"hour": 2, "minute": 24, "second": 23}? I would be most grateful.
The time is {"hour": 2, "minute": 30, "second": 53}
